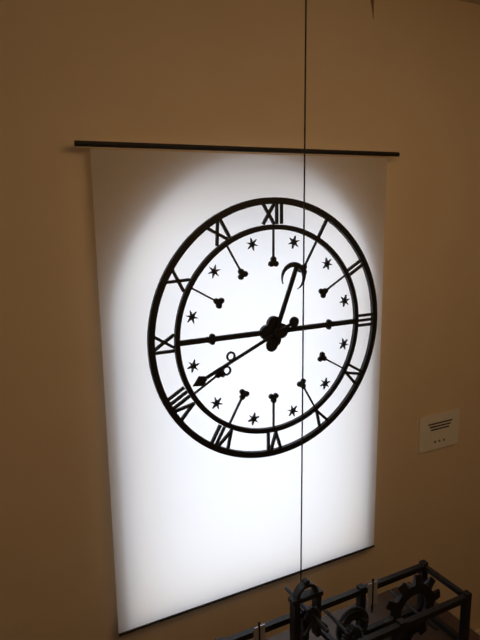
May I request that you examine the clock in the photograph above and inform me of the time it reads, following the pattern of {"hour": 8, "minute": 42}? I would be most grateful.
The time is {"hour": 12, "minute": 41}
